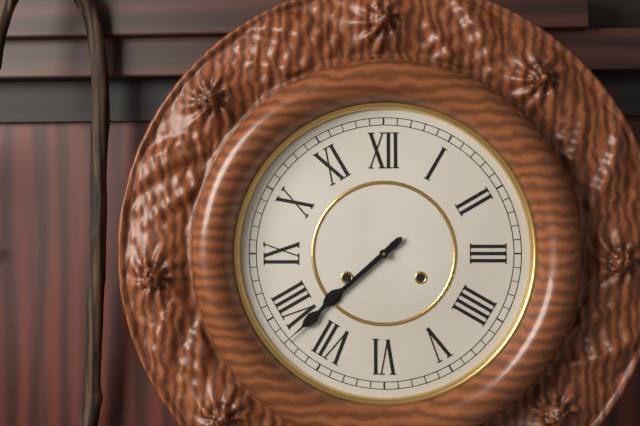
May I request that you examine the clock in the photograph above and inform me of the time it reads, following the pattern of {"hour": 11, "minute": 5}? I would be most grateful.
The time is {"hour": 7, "minute": 38}
